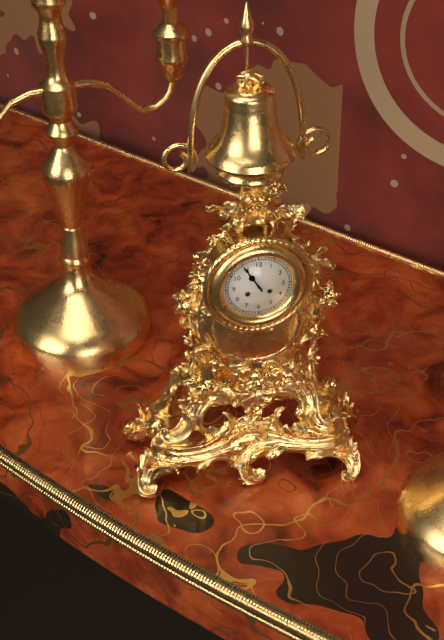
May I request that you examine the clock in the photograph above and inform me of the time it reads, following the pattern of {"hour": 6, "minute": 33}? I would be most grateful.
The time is {"hour": 10, "minute": 55}
